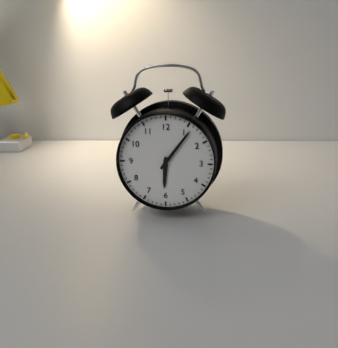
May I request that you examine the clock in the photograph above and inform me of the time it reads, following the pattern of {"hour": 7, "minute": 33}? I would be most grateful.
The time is {"hour": 6, "minute": 6}
